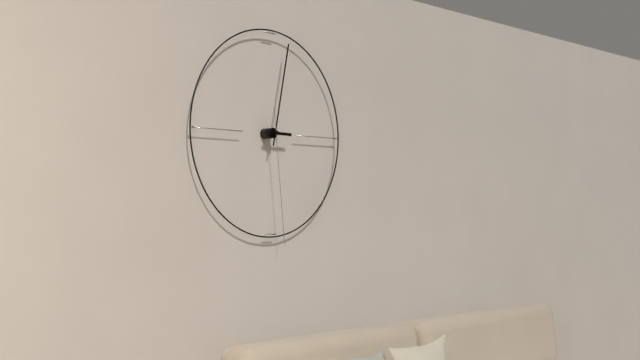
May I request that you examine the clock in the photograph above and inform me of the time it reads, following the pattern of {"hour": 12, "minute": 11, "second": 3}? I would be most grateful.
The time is {"hour": 3, "minute": 2, "second": 29}
